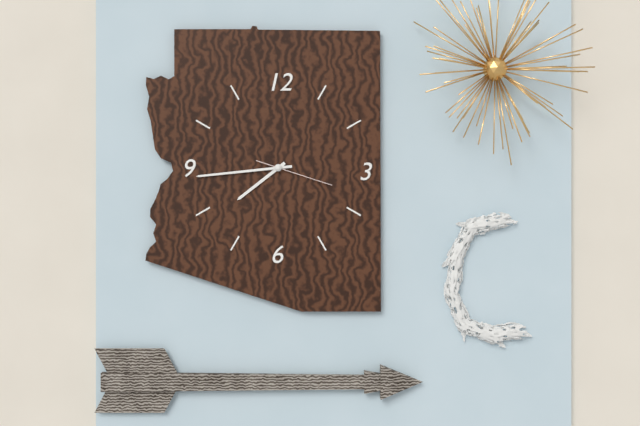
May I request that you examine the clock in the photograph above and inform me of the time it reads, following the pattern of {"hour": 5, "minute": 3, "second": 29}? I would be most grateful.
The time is {"hour": 7, "minute": 44, "second": 18}
